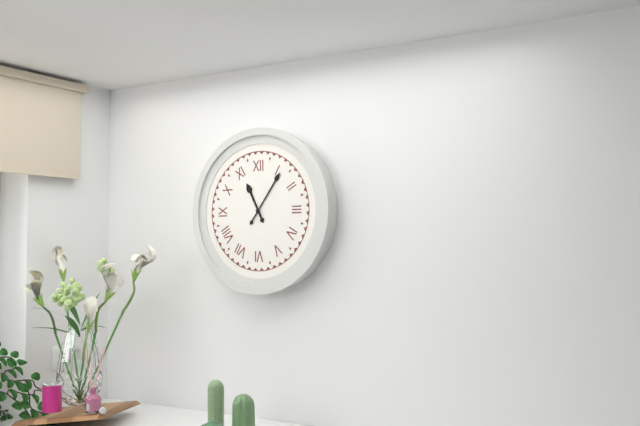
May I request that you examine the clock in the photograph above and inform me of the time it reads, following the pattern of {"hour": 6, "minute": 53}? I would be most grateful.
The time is {"hour": 11, "minute": 6}
